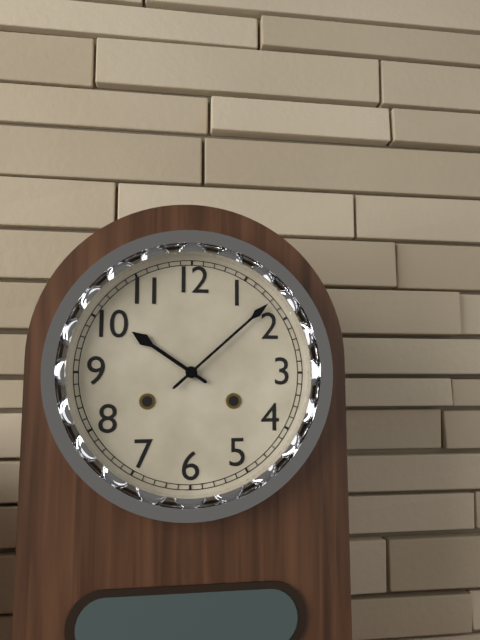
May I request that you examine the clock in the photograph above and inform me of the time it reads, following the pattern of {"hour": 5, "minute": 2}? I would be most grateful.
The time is {"hour": 10, "minute": 8}
